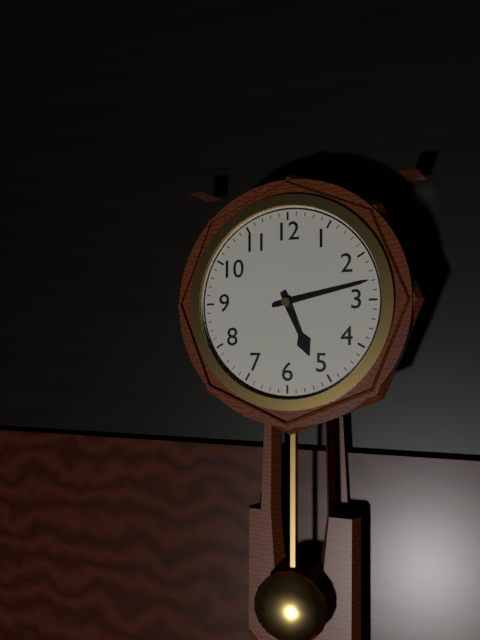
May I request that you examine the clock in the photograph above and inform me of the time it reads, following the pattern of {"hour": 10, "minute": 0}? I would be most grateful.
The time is {"hour": 5, "minute": 13}
